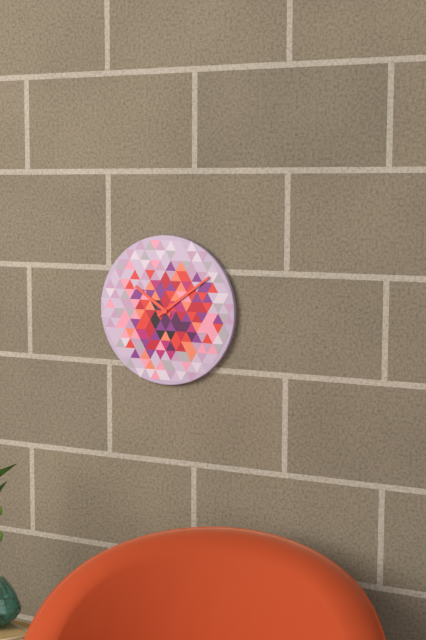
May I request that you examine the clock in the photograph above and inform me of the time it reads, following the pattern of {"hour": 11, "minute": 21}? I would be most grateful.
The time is {"hour": 10, "minute": 9}
